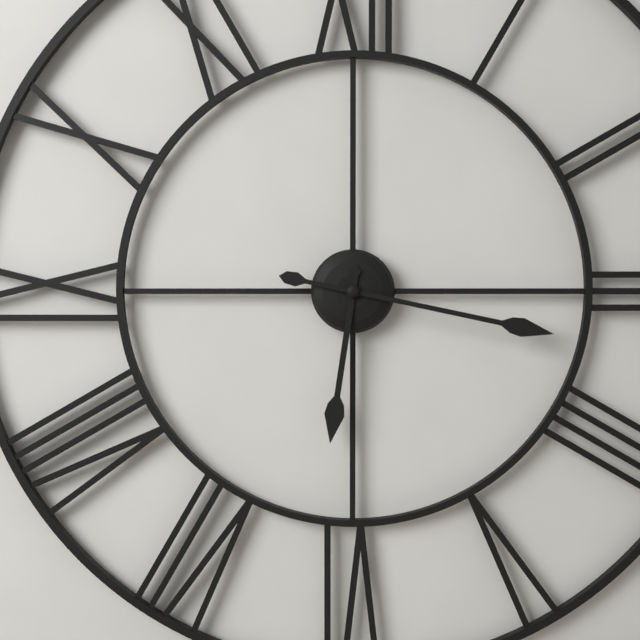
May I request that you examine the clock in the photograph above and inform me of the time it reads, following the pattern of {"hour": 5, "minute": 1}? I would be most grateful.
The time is {"hour": 6, "minute": 17}
